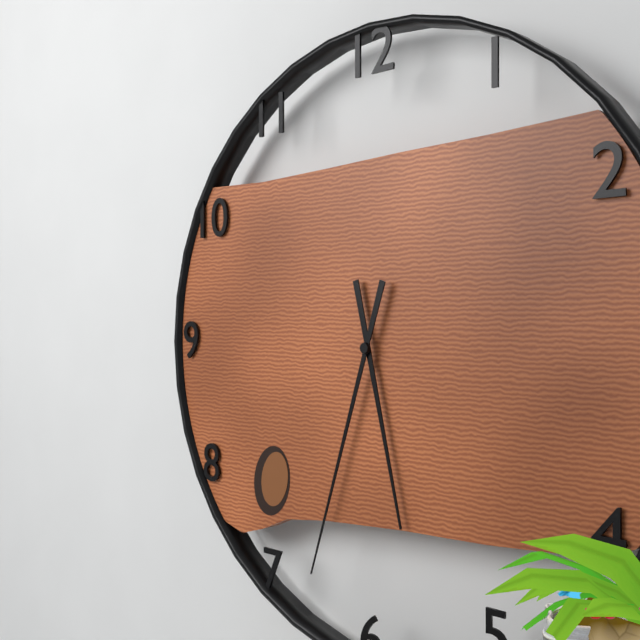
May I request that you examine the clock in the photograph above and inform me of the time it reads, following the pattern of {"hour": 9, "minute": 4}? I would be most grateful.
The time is {"hour": 5, "minute": 33}
